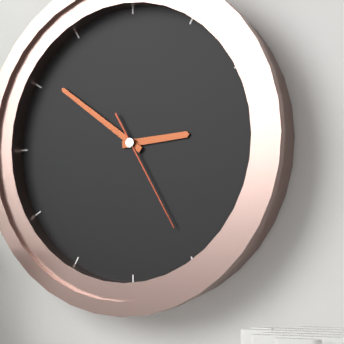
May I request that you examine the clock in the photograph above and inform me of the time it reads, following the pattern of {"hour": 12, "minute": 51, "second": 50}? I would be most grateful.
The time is {"hour": 2, "minute": 51, "second": 25}
